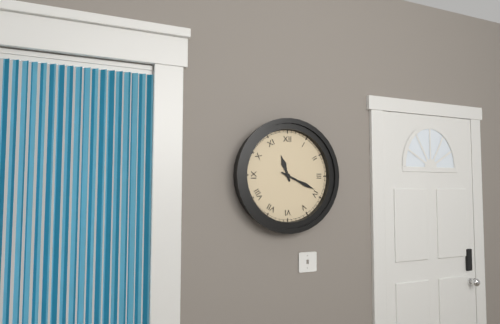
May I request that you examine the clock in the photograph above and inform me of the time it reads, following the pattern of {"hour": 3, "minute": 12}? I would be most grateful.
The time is {"hour": 11, "minute": 19}
